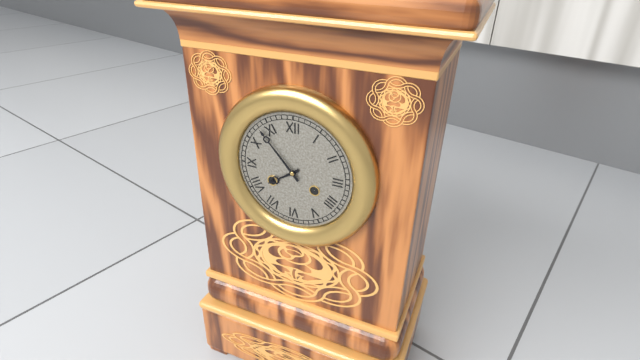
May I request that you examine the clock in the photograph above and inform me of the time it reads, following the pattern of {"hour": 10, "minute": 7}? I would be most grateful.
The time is {"hour": 7, "minute": 53}
